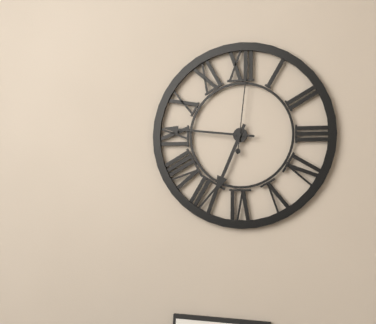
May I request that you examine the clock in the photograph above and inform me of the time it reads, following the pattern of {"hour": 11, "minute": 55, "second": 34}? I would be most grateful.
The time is {"hour": 6, "minute": 46, "second": 1}
